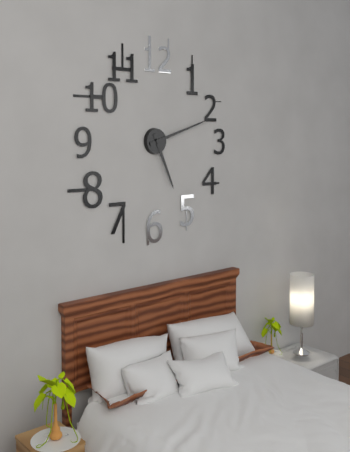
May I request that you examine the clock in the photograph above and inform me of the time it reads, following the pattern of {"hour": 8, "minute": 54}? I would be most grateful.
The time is {"hour": 5, "minute": 12}
